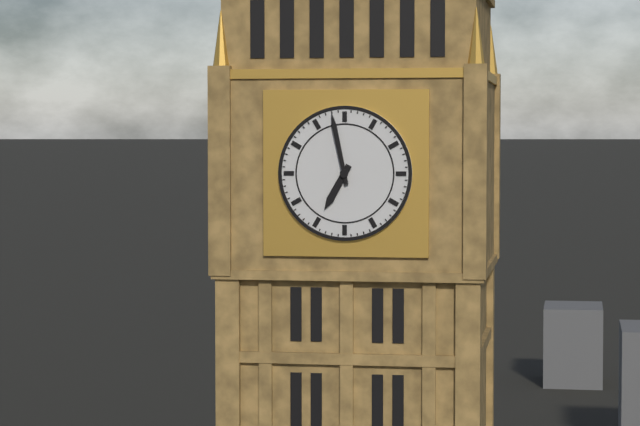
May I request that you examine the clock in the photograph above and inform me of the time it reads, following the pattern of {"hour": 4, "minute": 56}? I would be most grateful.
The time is {"hour": 6, "minute": 58}
